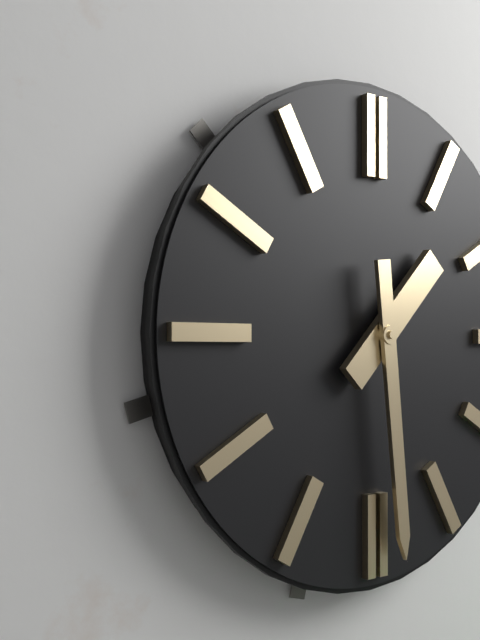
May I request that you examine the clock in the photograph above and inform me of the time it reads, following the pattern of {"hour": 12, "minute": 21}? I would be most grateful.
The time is {"hour": 1, "minute": 29}
